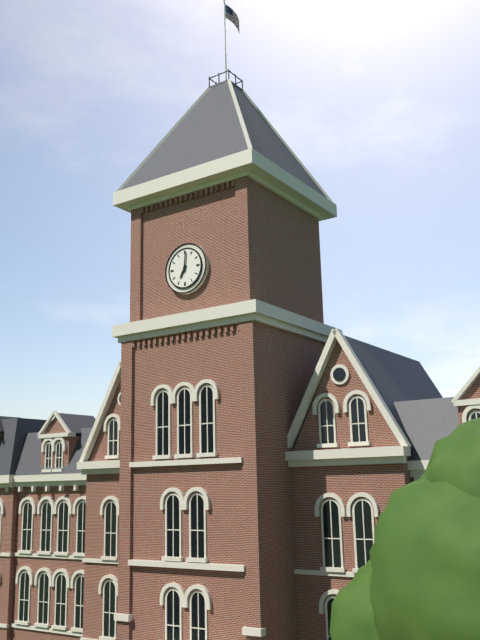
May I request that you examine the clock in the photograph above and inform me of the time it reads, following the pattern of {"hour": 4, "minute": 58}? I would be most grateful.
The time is {"hour": 7, "minute": 1}
